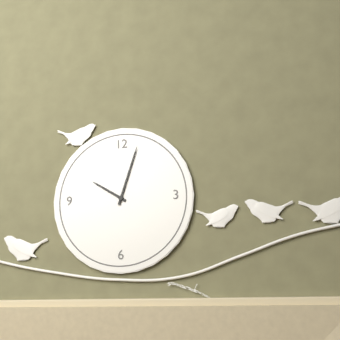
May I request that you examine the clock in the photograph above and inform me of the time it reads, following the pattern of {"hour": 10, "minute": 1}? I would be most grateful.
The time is {"hour": 10, "minute": 3}
